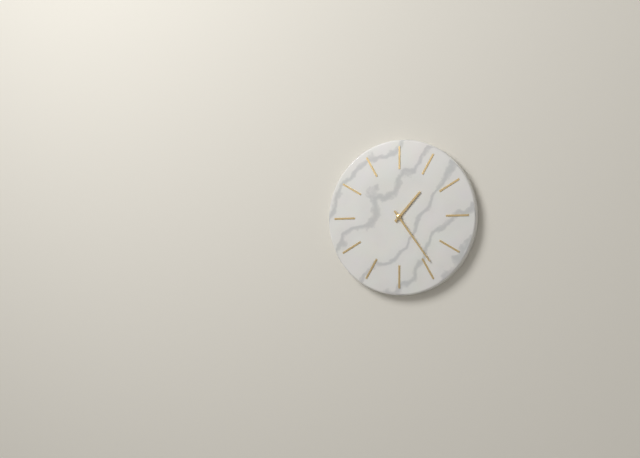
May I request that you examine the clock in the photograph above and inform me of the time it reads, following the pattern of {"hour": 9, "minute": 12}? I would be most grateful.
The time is {"hour": 1, "minute": 24}
